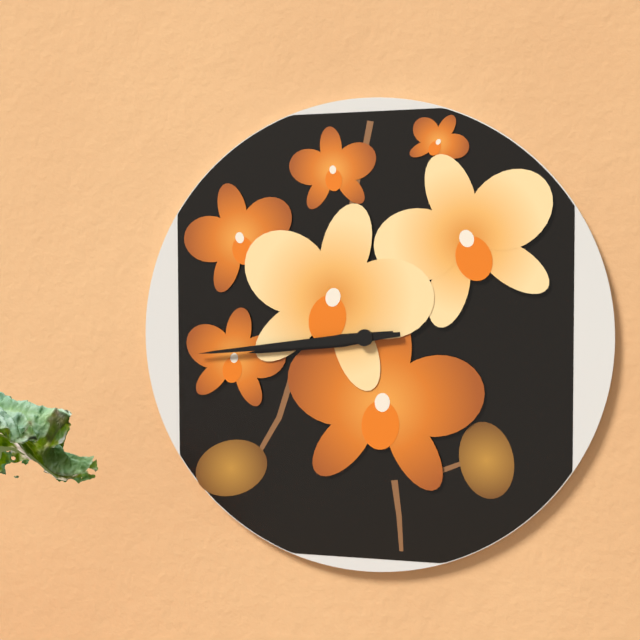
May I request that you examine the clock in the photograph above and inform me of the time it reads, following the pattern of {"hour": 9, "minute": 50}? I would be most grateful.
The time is {"hour": 8, "minute": 44}
